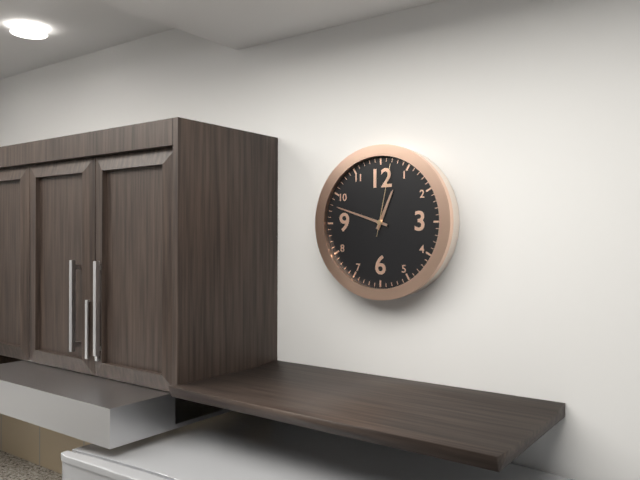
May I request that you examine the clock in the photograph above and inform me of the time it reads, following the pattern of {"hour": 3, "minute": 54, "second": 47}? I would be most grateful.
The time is {"hour": 12, "minute": 48, "second": 2}
